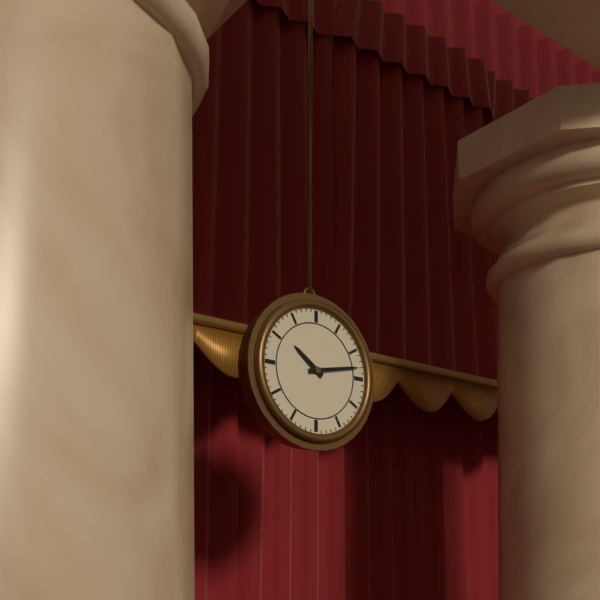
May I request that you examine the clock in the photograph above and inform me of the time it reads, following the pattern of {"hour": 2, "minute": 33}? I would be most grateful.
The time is {"hour": 10, "minute": 13}
